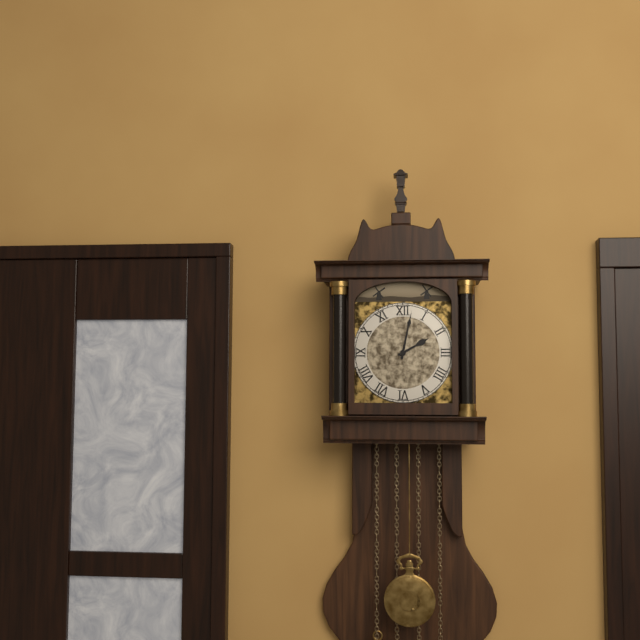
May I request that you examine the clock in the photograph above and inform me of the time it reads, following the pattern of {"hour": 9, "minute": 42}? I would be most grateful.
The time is {"hour": 2, "minute": 2}
